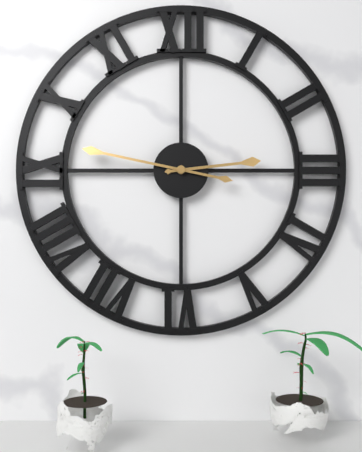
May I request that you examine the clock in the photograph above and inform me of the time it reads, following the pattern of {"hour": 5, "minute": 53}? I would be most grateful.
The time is {"hour": 2, "minute": 47}
